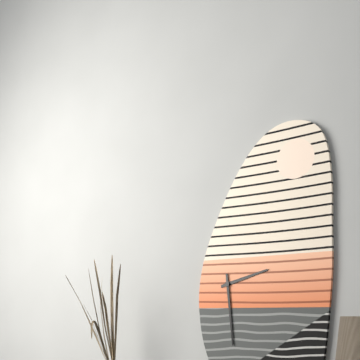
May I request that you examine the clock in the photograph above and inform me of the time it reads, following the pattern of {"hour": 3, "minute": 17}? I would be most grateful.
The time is {"hour": 2, "minute": 29}
